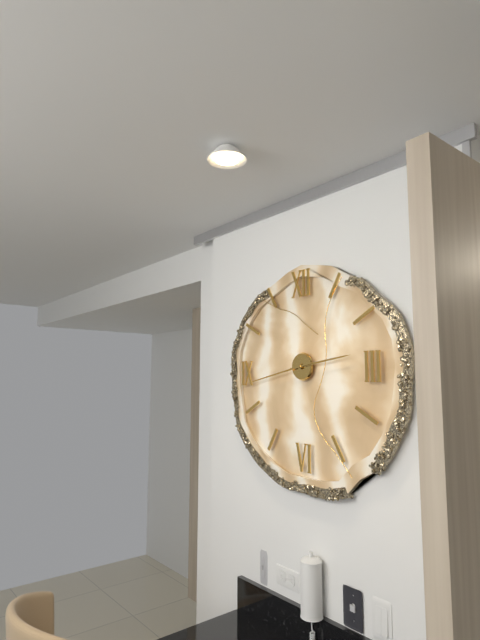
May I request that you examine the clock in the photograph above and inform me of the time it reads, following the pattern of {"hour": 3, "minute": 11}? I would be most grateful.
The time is {"hour": 2, "minute": 43}
